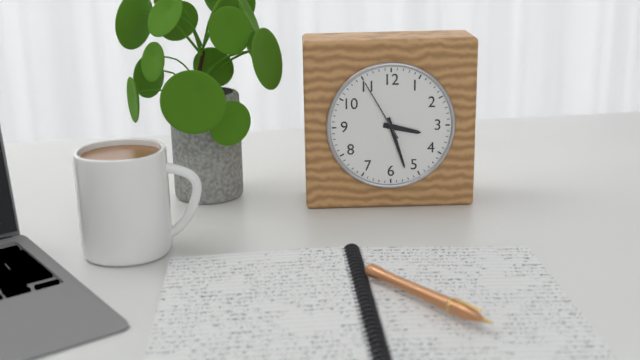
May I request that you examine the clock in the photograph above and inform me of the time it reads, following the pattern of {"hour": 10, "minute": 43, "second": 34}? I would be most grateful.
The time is {"hour": 3, "minute": 27, "second": 55}
